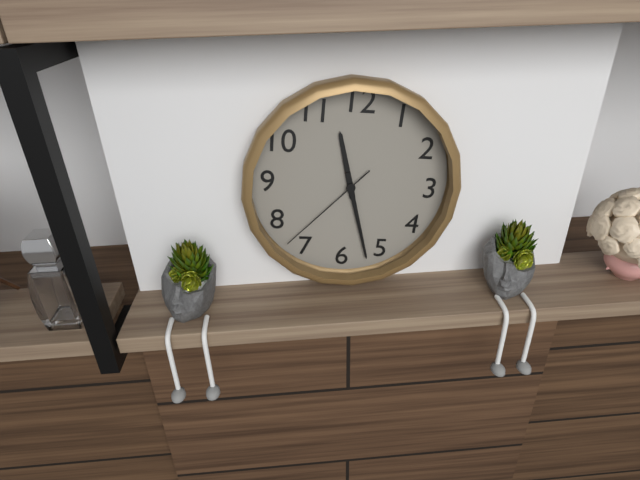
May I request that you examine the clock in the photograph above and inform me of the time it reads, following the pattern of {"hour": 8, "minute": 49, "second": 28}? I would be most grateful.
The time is {"hour": 11, "minute": 27, "second": 37}
